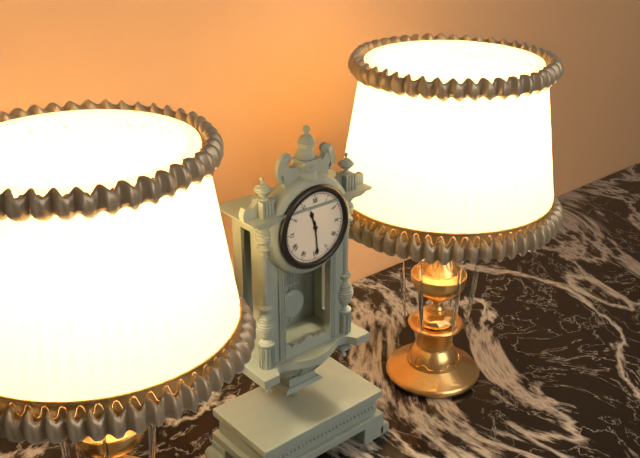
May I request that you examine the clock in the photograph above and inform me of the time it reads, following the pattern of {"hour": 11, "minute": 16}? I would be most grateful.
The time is {"hour": 11, "minute": 29}
